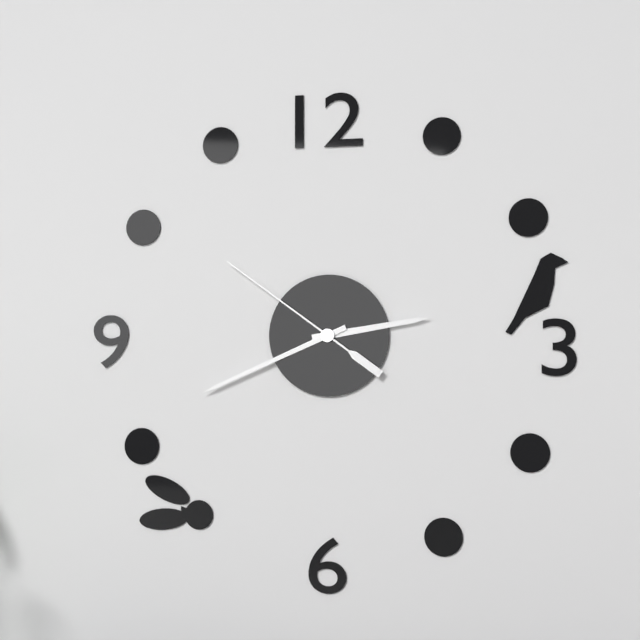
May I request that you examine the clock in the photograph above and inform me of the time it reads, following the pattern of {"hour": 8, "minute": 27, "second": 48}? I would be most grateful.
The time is {"hour": 2, "minute": 41, "second": 51}
